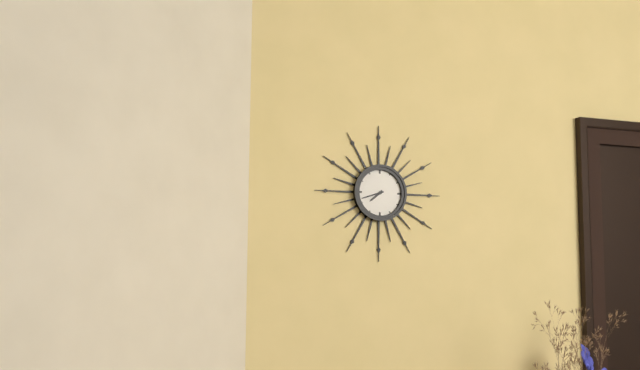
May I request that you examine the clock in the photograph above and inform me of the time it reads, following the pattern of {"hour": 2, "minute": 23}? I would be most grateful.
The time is {"hour": 7, "minute": 42}
